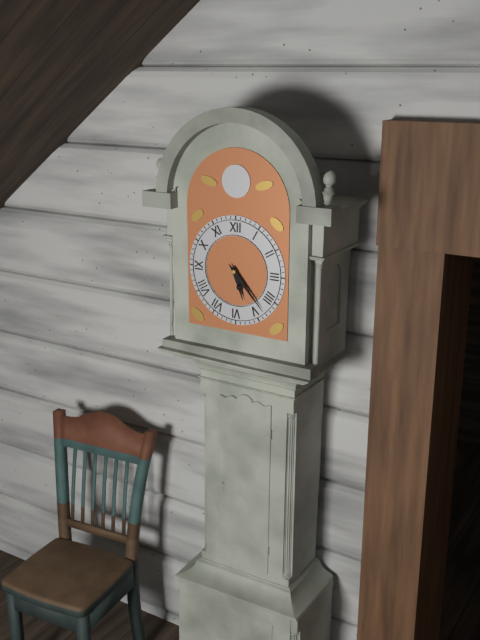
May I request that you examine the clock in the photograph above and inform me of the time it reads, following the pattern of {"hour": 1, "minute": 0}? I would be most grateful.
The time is {"hour": 5, "minute": 23}
